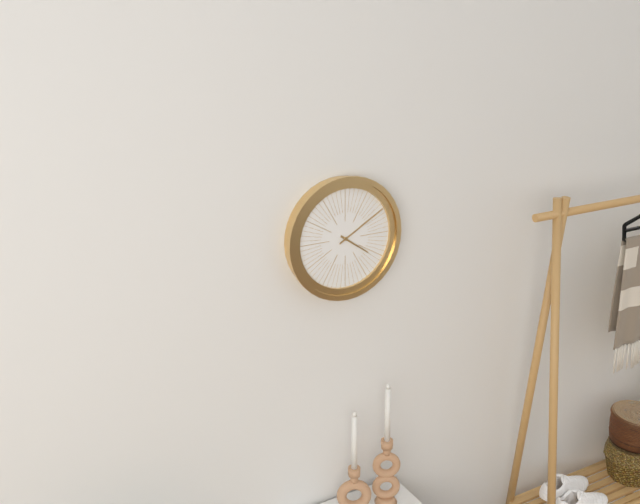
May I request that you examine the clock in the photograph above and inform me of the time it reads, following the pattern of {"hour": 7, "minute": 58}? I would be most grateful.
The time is {"hour": 4, "minute": 10}
